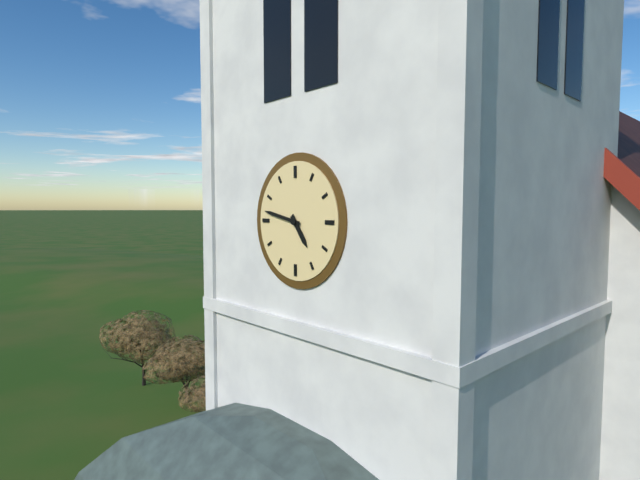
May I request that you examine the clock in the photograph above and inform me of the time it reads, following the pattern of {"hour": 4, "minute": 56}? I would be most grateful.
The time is {"hour": 4, "minute": 47}
